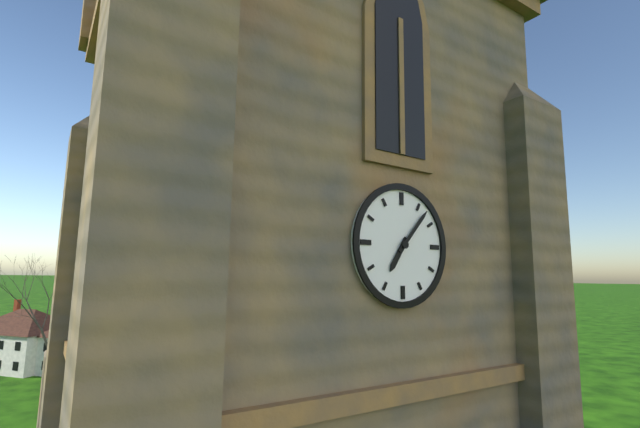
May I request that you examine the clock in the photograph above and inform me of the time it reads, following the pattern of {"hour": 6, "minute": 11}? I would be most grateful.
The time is {"hour": 7, "minute": 7}
